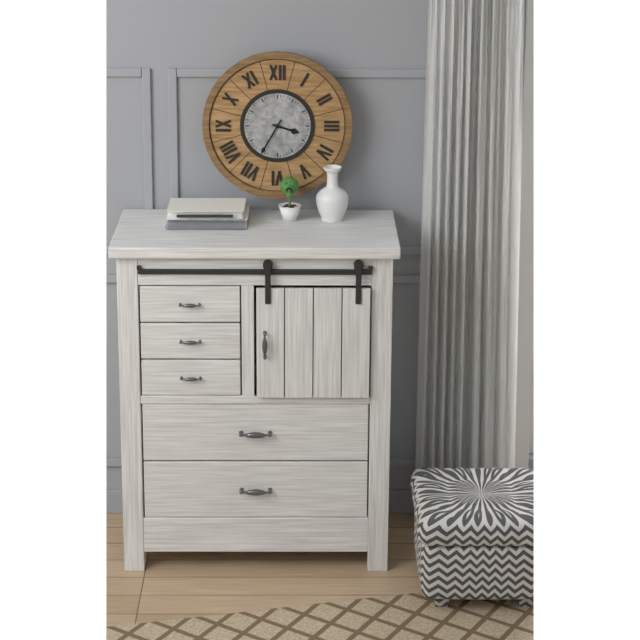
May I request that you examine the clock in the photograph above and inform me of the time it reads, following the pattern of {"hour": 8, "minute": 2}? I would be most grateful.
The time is {"hour": 3, "minute": 35}
